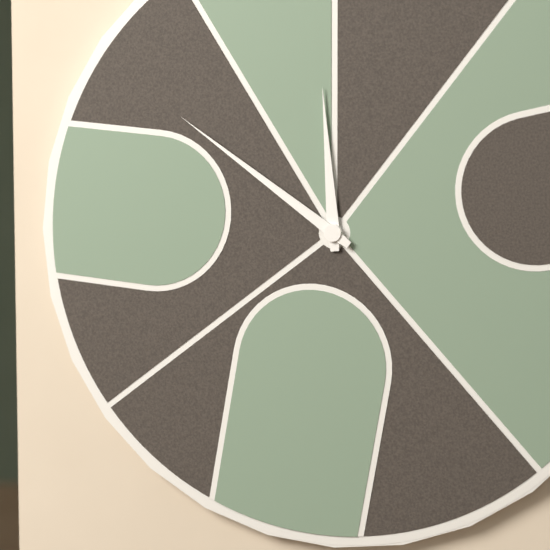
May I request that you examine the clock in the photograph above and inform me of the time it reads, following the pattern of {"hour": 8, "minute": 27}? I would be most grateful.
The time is {"hour": 11, "minute": 51}
